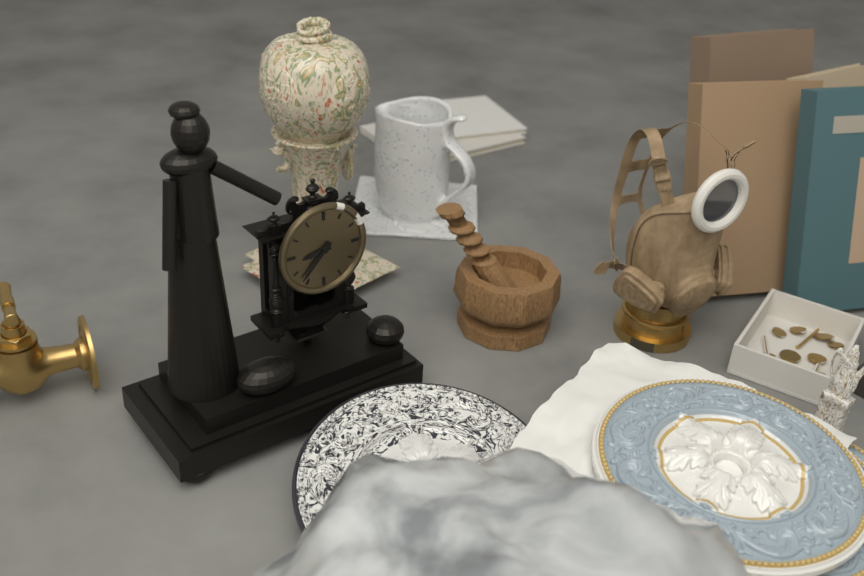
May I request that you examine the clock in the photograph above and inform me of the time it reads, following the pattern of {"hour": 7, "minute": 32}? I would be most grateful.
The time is {"hour": 8, "minute": 37}
